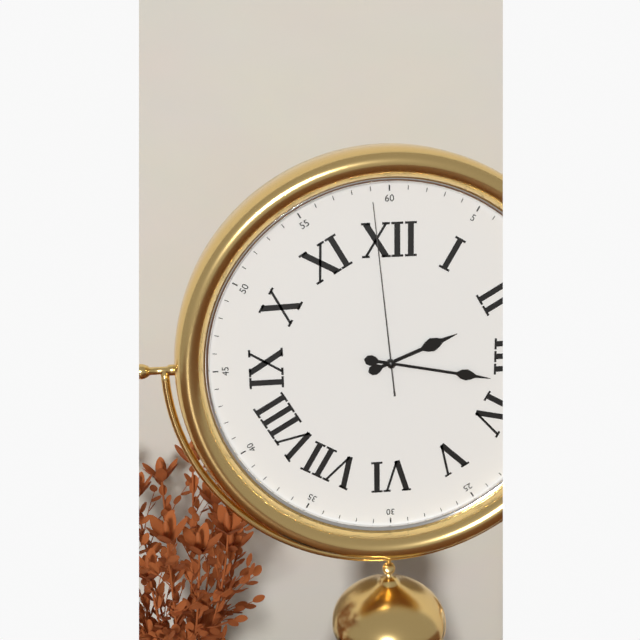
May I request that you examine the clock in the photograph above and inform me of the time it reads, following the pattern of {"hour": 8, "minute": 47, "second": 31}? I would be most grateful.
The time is {"hour": 2, "minute": 17, "second": 59}
